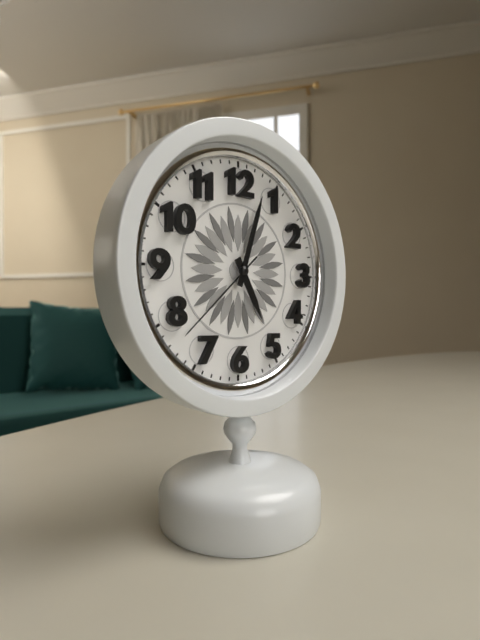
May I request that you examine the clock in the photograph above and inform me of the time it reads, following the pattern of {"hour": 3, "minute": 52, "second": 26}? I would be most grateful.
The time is {"hour": 5, "minute": 3, "second": 38}
